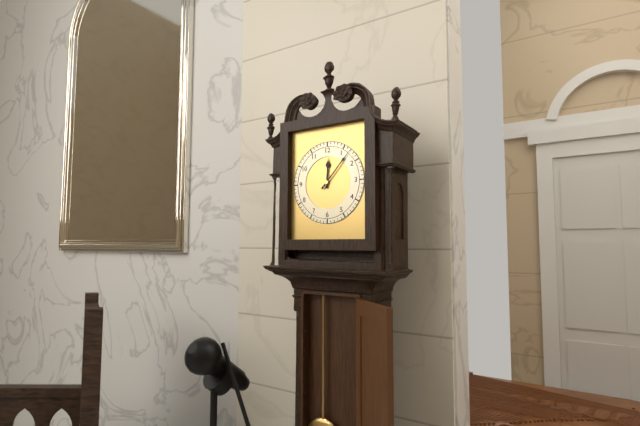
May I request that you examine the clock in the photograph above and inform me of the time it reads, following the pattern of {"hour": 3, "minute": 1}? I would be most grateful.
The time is {"hour": 12, "minute": 7}
